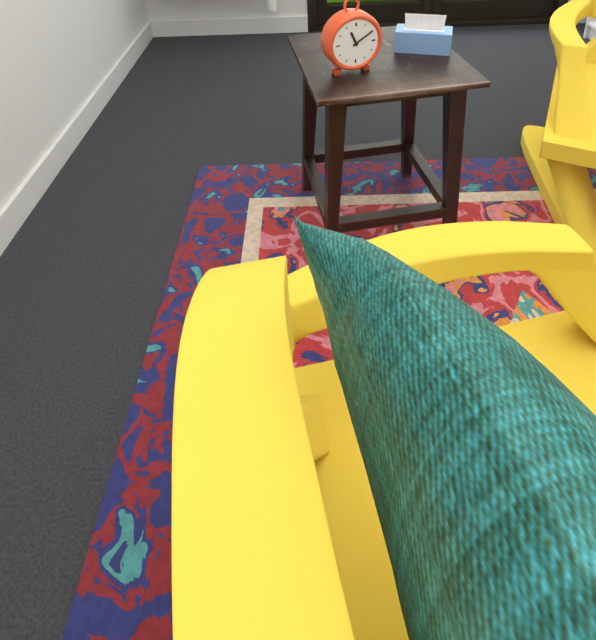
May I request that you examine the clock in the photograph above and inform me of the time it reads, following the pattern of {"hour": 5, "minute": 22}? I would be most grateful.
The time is {"hour": 11, "minute": 10}
